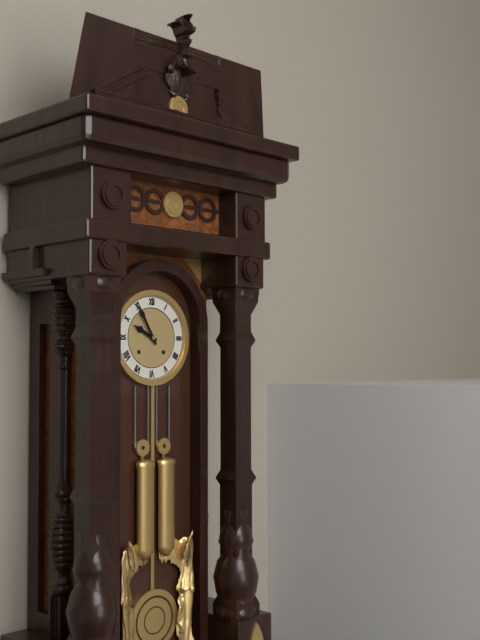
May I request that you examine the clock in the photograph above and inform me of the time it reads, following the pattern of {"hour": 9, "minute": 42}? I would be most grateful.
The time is {"hour": 9, "minute": 55}
